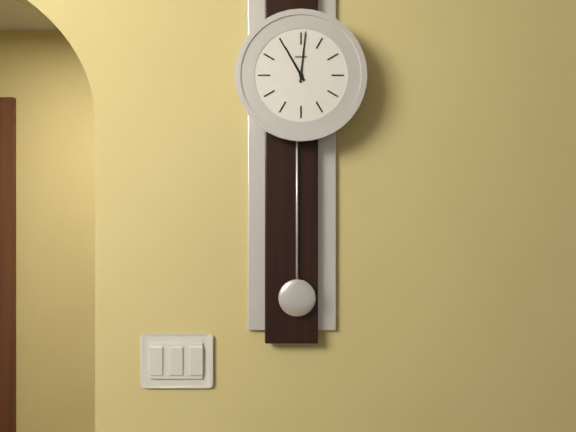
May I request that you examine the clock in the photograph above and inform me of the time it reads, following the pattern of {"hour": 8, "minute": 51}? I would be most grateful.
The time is {"hour": 11, "minute": 1}
